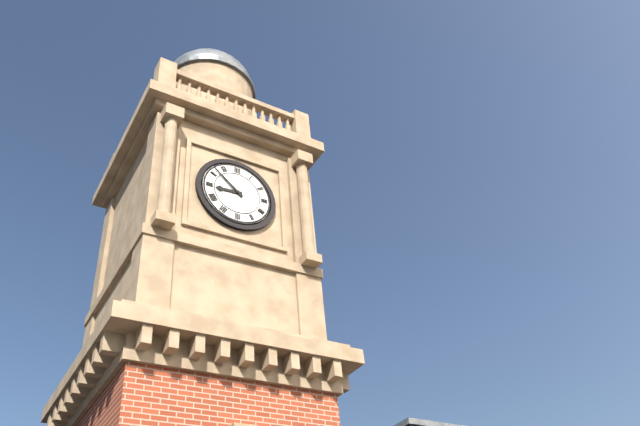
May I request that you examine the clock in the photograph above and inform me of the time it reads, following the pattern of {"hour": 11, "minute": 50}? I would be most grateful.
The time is {"hour": 8, "minute": 52}
